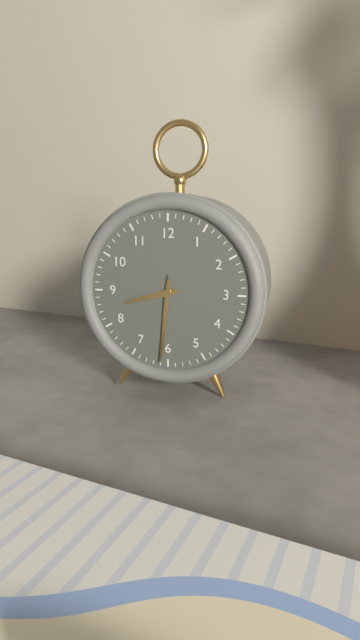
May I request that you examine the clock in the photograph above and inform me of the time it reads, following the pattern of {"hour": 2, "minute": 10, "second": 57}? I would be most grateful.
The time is {"hour": 8, "minute": 31, "second": 31}
